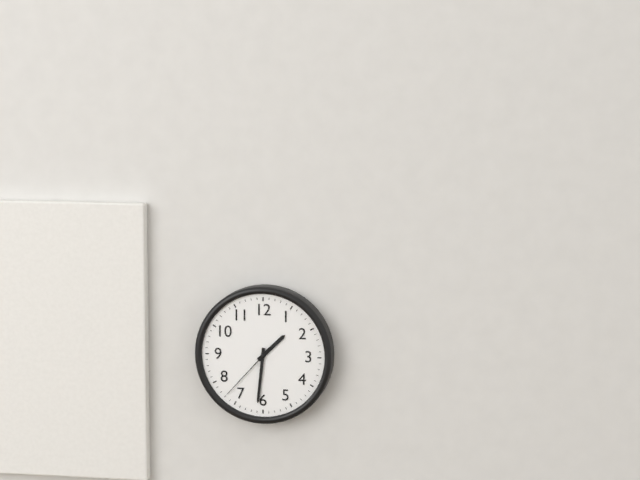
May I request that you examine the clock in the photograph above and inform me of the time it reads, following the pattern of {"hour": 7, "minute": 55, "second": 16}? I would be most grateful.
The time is {"hour": 1, "minute": 31, "second": 37}
